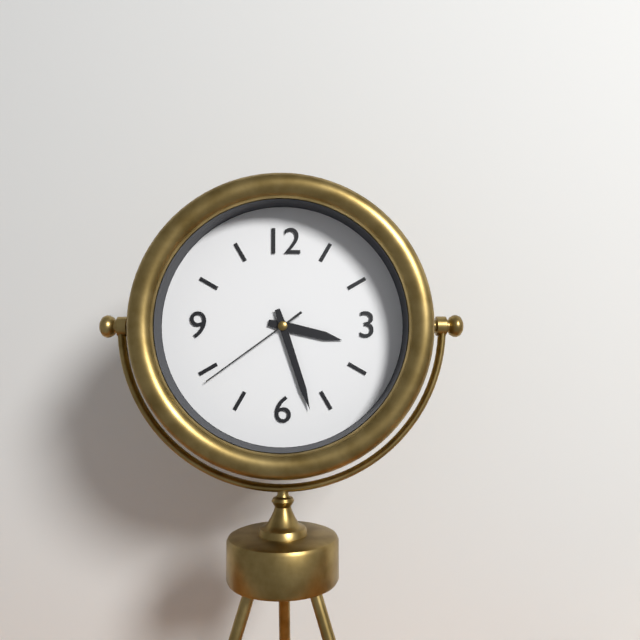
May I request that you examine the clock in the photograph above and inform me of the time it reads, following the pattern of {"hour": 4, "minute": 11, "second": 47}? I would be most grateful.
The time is {"hour": 3, "minute": 27, "second": 39}
